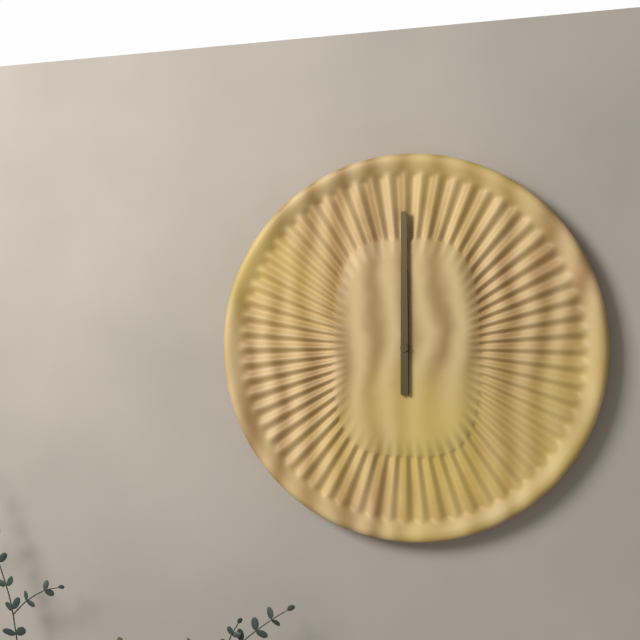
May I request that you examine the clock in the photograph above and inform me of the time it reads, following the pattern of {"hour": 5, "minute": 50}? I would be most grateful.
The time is {"hour": 12, "minute": 0}
